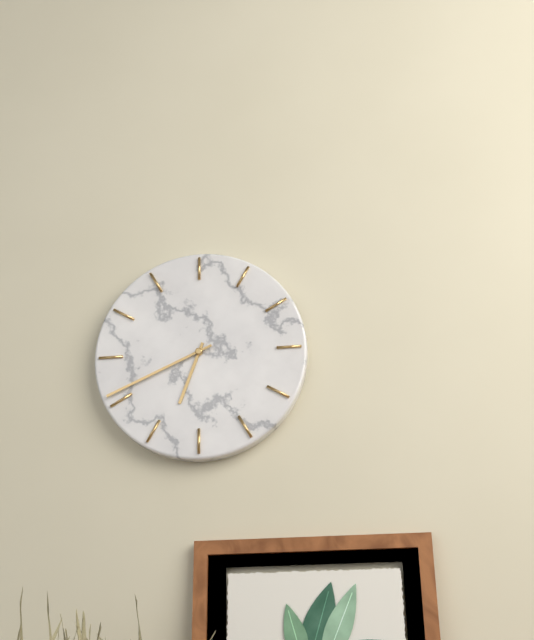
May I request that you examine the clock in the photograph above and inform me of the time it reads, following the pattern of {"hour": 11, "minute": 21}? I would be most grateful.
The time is {"hour": 6, "minute": 41}
